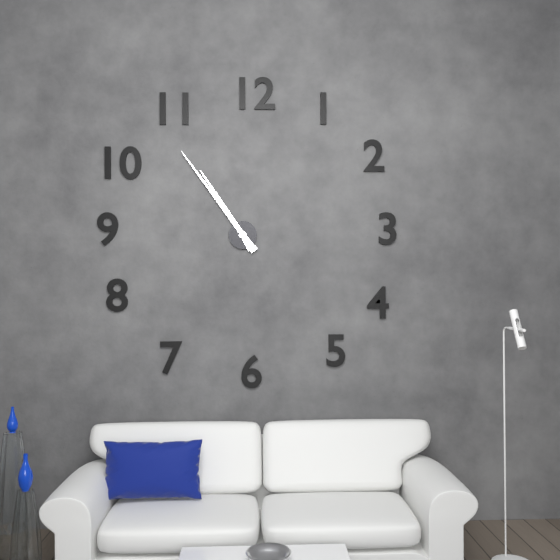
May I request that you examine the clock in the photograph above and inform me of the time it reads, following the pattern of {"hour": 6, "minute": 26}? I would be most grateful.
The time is {"hour": 10, "minute": 54}
